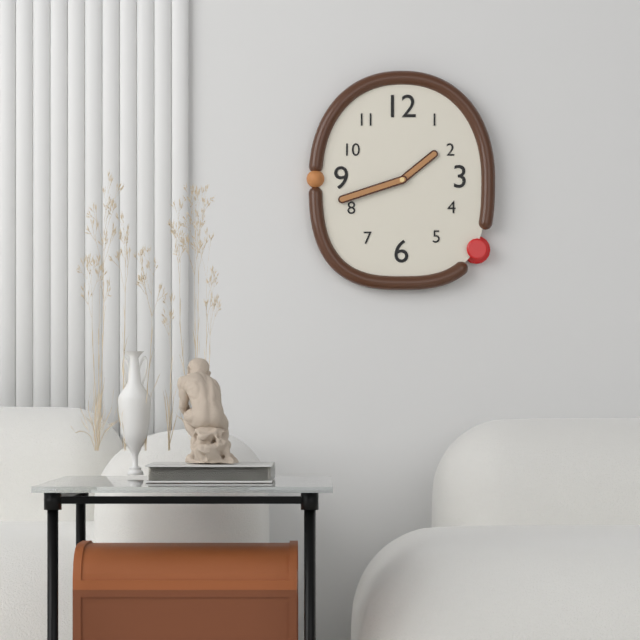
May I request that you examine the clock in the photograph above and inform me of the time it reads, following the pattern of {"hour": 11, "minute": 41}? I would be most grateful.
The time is {"hour": 1, "minute": 42}
